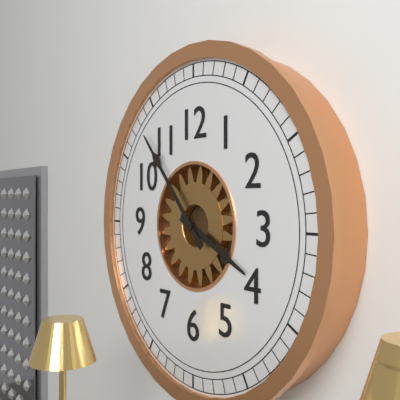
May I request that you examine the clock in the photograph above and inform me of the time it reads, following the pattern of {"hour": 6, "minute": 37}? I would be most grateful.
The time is {"hour": 3, "minute": 53}
